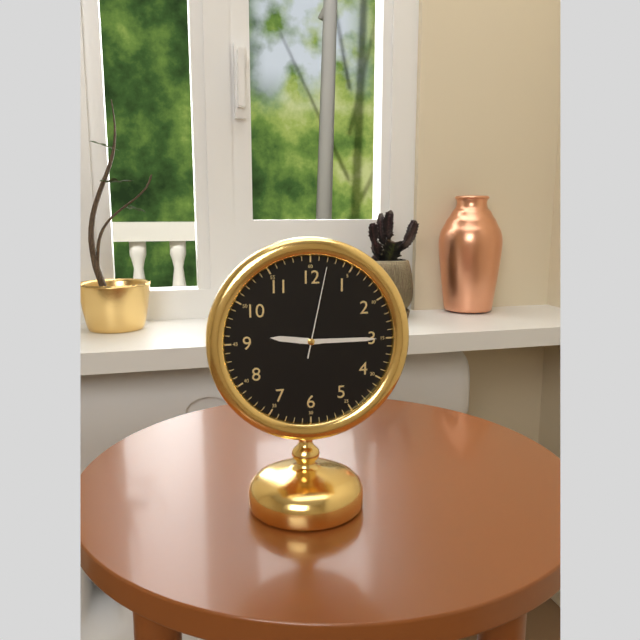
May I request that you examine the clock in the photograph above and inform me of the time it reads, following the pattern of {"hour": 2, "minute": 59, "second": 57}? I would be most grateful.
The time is {"hour": 9, "minute": 15, "second": 2}
